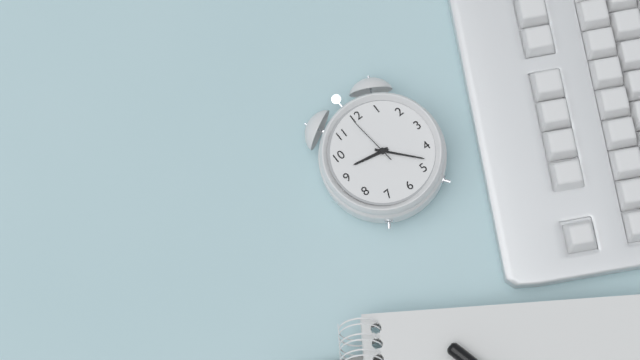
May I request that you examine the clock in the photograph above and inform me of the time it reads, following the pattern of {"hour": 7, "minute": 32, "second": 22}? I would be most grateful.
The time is {"hour": 9, "minute": 23, "second": 59}
